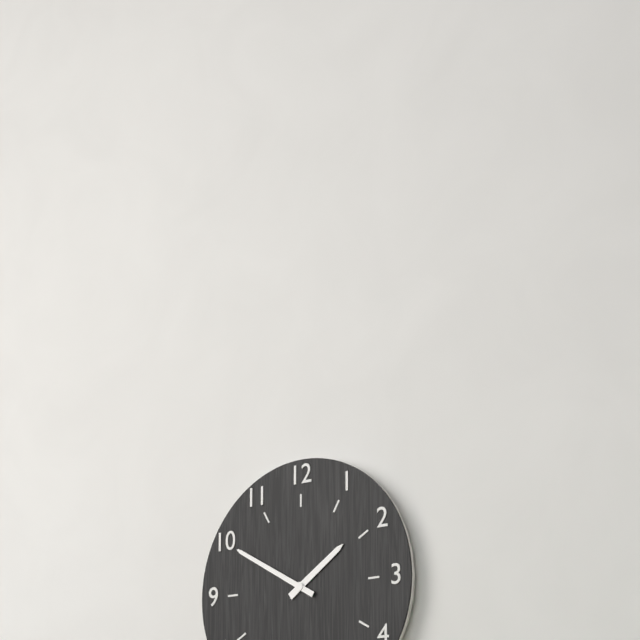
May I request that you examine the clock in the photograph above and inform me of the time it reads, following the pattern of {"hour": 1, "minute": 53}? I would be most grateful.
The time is {"hour": 1, "minute": 50}
